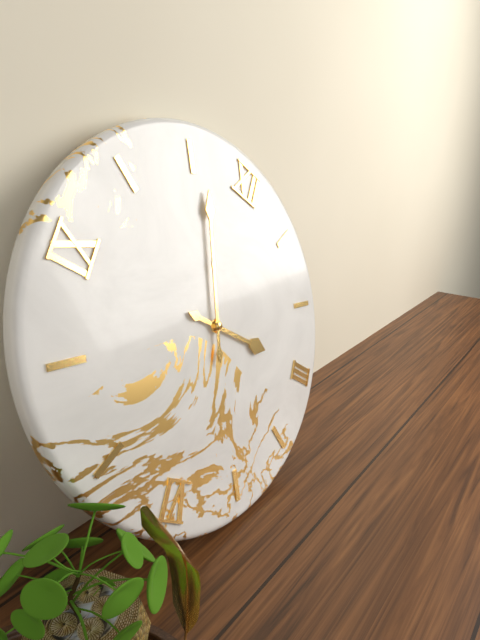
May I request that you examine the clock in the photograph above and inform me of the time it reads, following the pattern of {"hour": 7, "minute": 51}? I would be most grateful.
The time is {"hour": 2, "minute": 56}
